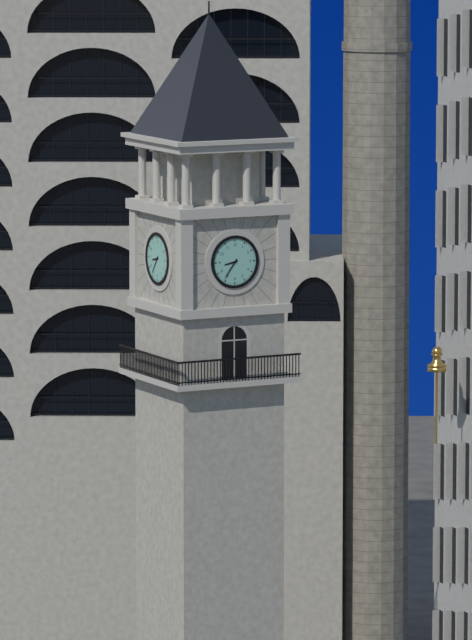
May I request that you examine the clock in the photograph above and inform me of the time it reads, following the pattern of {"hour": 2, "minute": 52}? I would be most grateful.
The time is {"hour": 8, "minute": 36}
